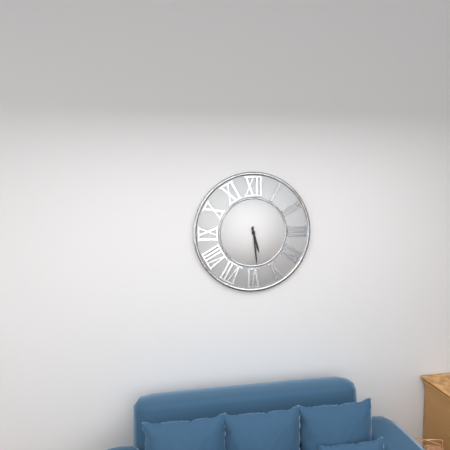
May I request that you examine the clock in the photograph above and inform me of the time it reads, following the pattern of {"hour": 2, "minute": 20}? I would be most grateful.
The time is {"hour": 5, "minute": 29}
